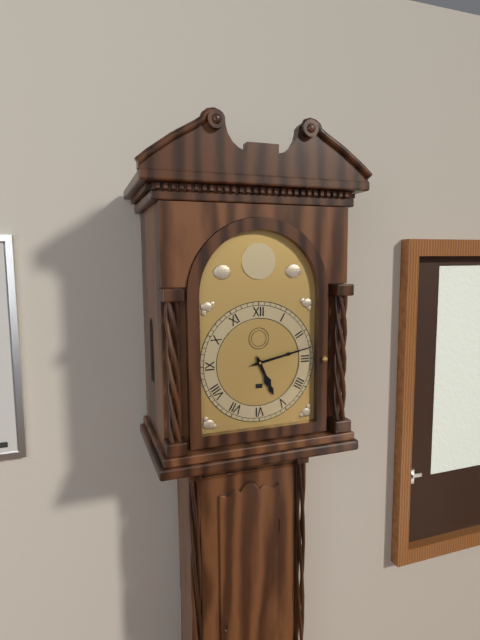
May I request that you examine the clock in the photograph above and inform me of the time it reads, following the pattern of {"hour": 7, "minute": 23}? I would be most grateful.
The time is {"hour": 5, "minute": 13}
